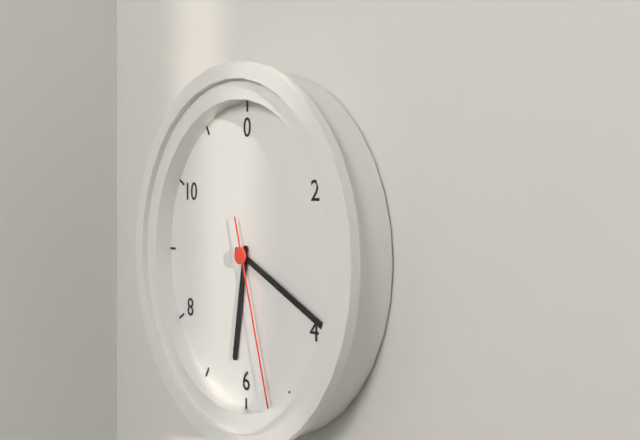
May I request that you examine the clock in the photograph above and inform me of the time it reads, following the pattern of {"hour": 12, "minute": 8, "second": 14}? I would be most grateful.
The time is {"hour": 6, "minute": 19, "second": 27}
